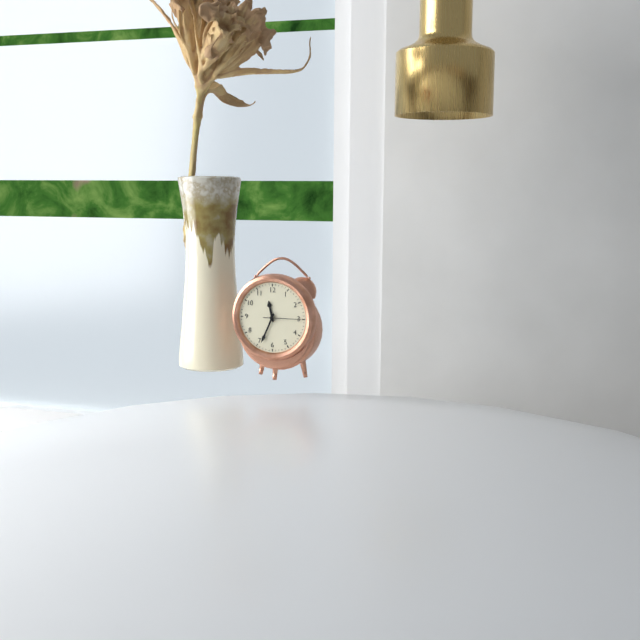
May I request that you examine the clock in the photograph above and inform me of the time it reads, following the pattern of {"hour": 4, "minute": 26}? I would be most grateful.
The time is {"hour": 11, "minute": 34}
